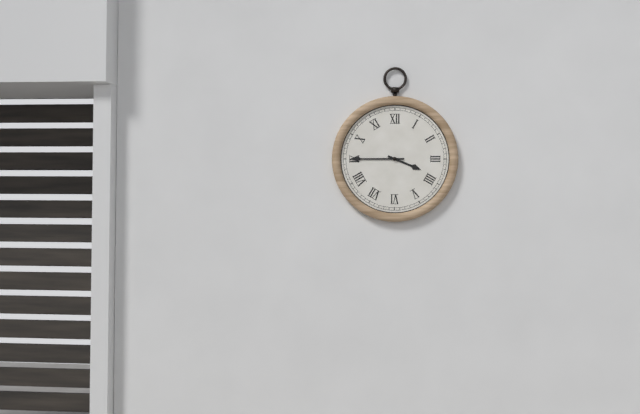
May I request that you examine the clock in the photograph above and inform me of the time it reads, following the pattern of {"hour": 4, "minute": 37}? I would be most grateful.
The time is {"hour": 3, "minute": 45}
